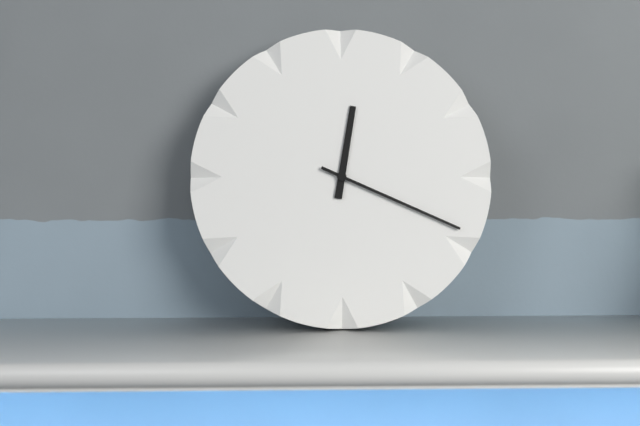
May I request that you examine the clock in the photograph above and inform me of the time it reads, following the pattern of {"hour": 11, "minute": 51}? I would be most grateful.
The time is {"hour": 12, "minute": 19}
